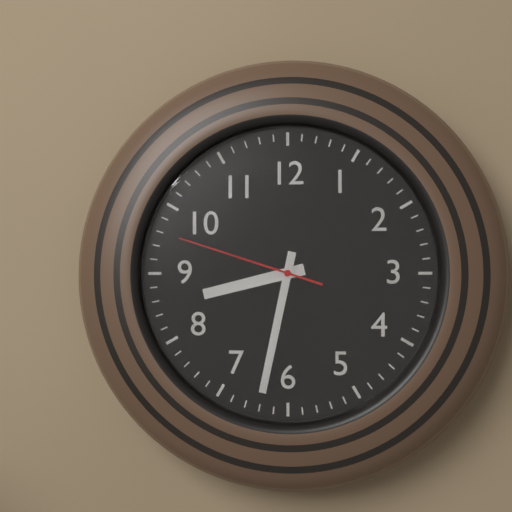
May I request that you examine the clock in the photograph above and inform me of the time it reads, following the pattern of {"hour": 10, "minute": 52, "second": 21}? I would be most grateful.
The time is {"hour": 8, "minute": 32, "second": 48}
